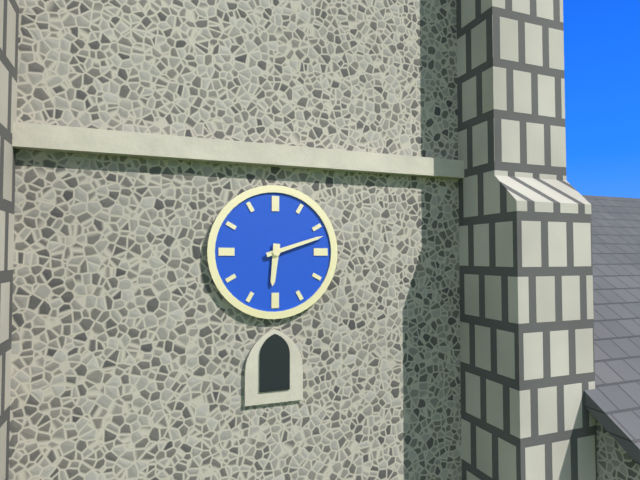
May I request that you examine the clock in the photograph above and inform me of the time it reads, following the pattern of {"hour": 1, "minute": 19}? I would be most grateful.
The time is {"hour": 6, "minute": 12}
